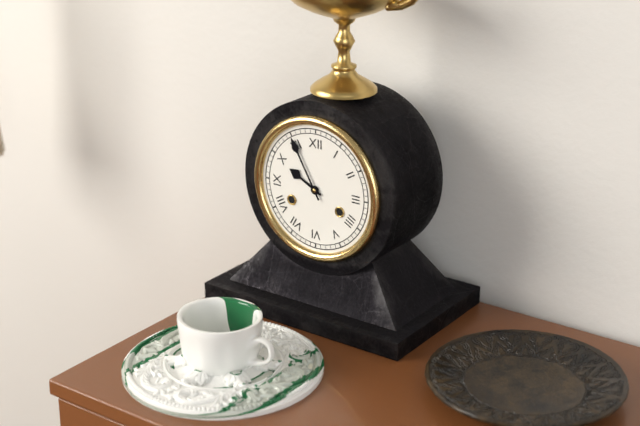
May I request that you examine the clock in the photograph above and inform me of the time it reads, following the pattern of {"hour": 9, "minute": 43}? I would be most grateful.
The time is {"hour": 9, "minute": 55}
